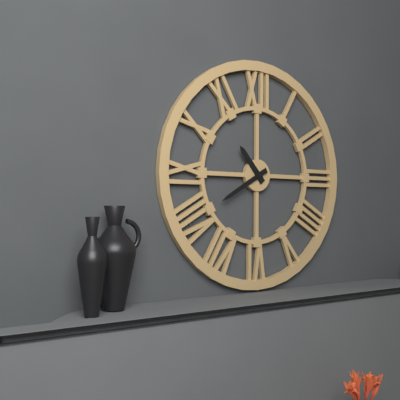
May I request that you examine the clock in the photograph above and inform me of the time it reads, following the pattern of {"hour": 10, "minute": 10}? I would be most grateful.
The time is {"hour": 10, "minute": 40}
